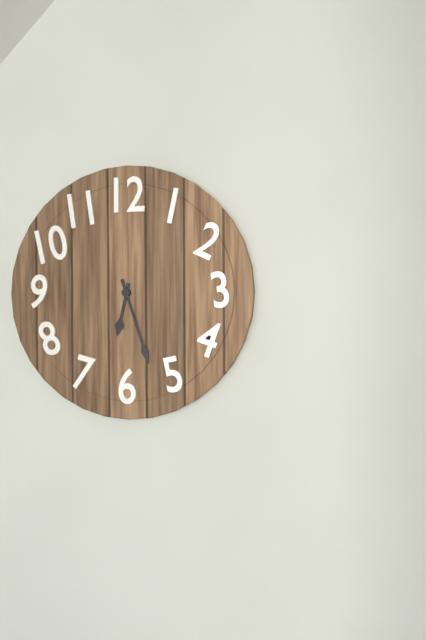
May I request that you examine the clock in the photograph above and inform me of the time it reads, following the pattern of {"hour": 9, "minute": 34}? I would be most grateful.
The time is {"hour": 6, "minute": 27}
